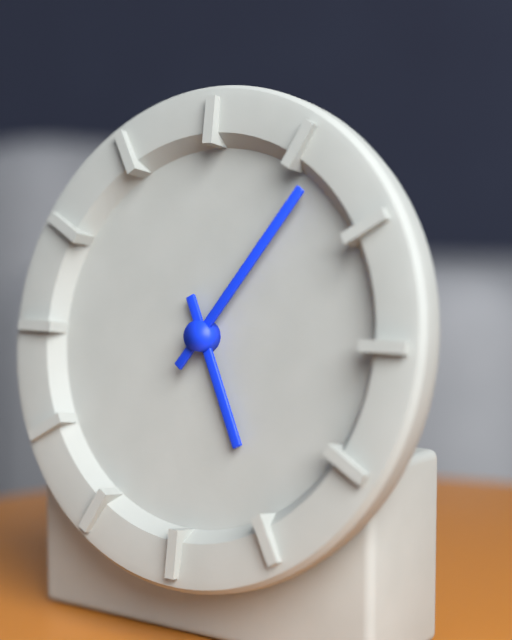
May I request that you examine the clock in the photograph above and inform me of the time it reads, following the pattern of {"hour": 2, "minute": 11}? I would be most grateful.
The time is {"hour": 5, "minute": 6}
